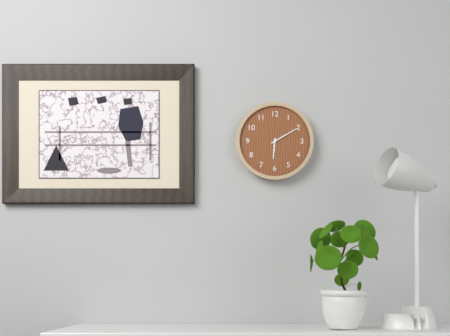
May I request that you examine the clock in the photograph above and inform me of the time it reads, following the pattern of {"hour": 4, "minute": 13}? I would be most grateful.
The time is {"hour": 6, "minute": 10}
